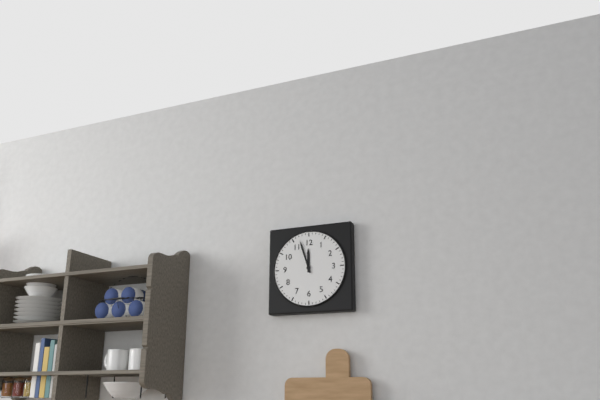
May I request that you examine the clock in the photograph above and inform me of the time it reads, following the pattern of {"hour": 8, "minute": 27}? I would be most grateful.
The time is {"hour": 11, "minute": 57}
